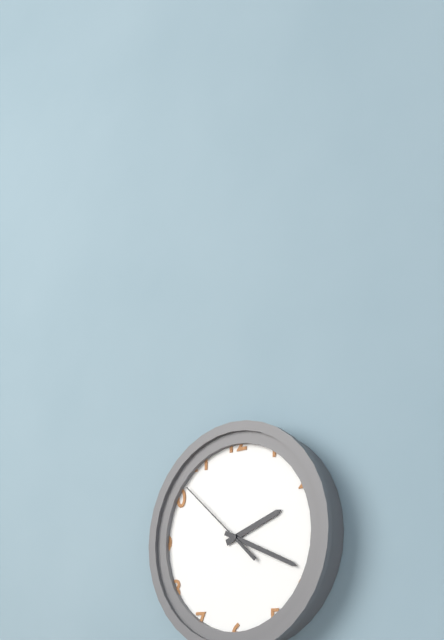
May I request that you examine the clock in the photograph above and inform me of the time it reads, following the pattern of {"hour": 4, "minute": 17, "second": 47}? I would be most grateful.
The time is {"hour": 2, "minute": 19, "second": 52}
